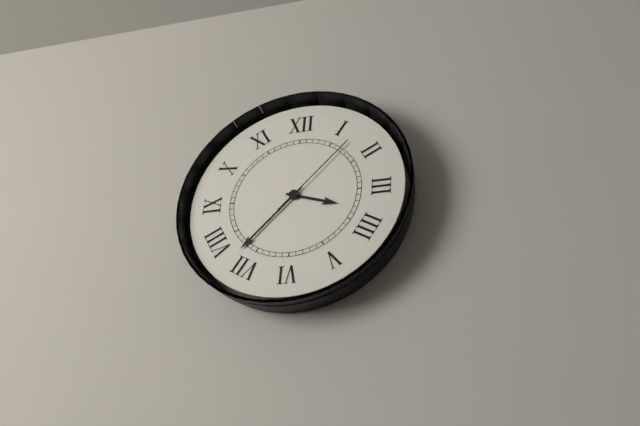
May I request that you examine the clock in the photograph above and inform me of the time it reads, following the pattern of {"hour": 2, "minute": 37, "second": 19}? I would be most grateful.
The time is {"hour": 3, "minute": 37, "second": 7}
